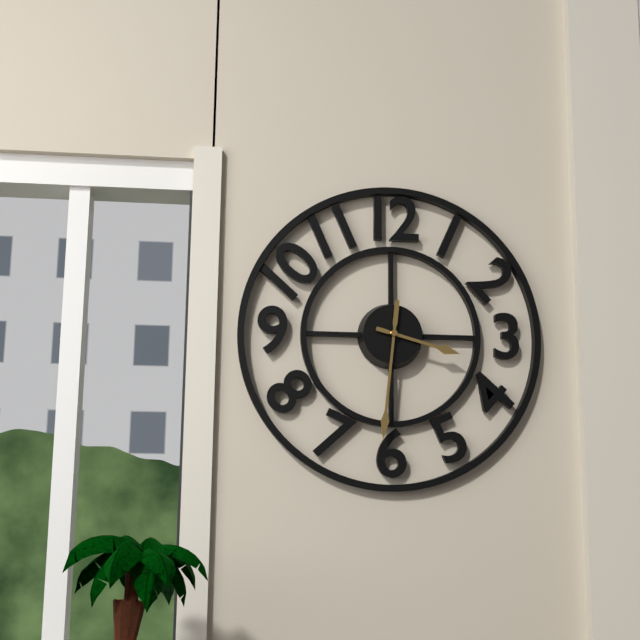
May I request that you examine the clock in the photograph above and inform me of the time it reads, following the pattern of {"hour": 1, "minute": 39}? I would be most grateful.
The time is {"hour": 3, "minute": 31}
